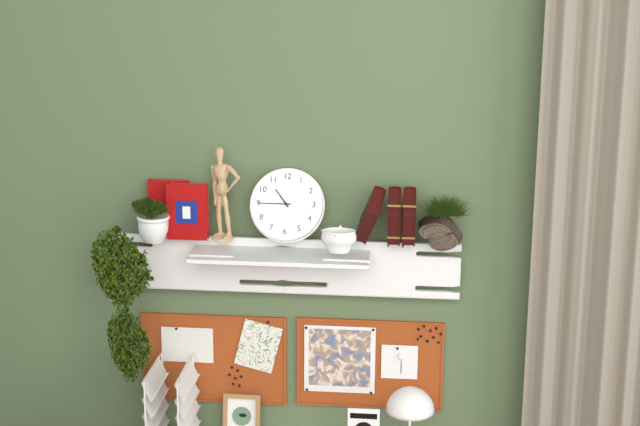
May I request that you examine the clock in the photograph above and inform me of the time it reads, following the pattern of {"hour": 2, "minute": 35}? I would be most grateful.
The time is {"hour": 10, "minute": 45}
